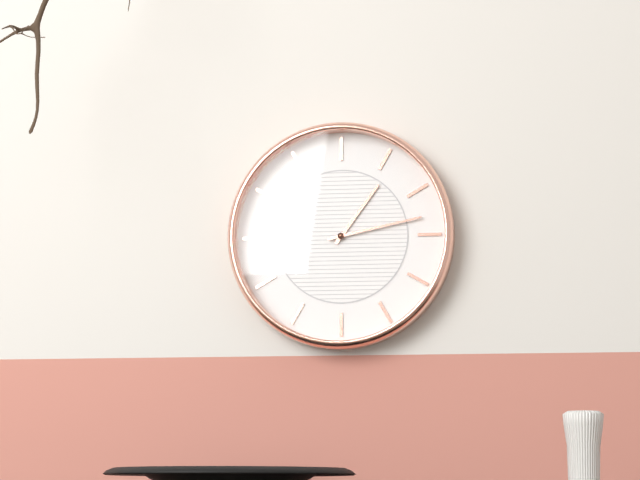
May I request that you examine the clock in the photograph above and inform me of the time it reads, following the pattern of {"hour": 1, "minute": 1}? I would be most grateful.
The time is {"hour": 1, "minute": 13}
